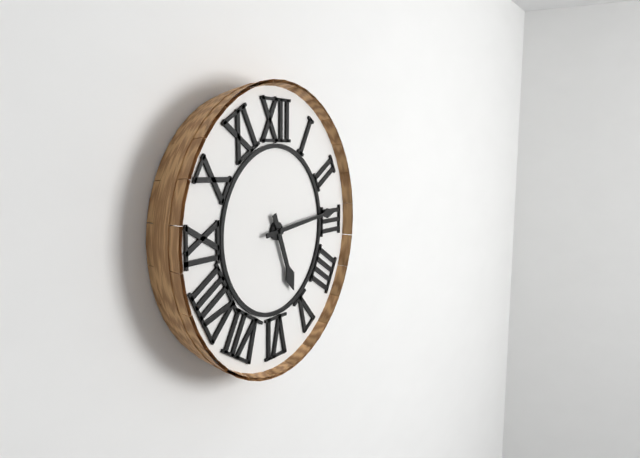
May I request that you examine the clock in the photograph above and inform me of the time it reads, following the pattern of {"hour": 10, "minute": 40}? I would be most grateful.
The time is {"hour": 5, "minute": 14}
